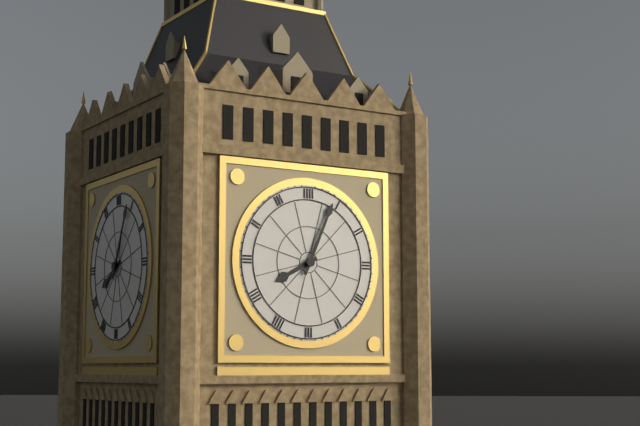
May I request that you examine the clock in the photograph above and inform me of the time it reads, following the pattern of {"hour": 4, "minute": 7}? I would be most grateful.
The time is {"hour": 8, "minute": 4}
